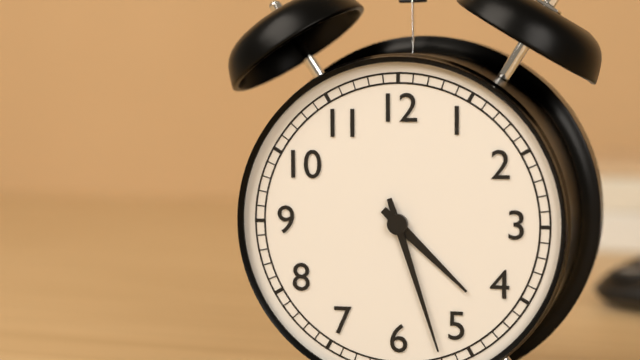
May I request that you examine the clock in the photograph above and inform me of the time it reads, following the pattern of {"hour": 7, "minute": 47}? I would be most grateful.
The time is {"hour": 4, "minute": 27}
